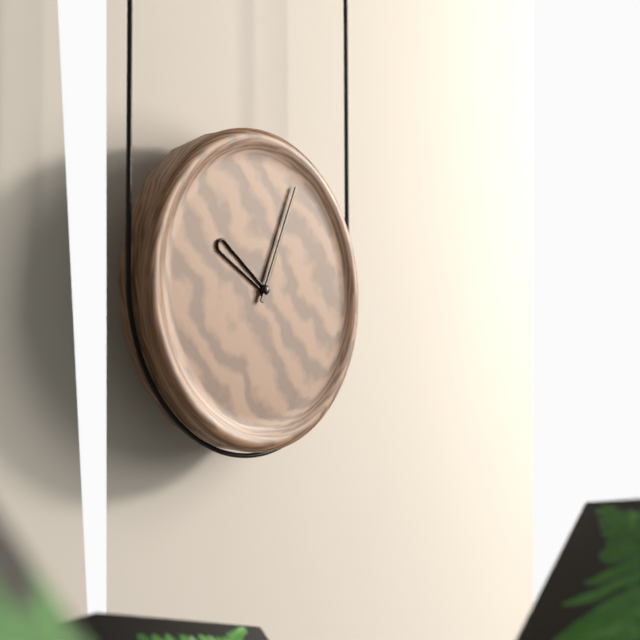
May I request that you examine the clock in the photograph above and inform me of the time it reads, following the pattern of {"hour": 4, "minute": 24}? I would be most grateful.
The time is {"hour": 10, "minute": 4}
